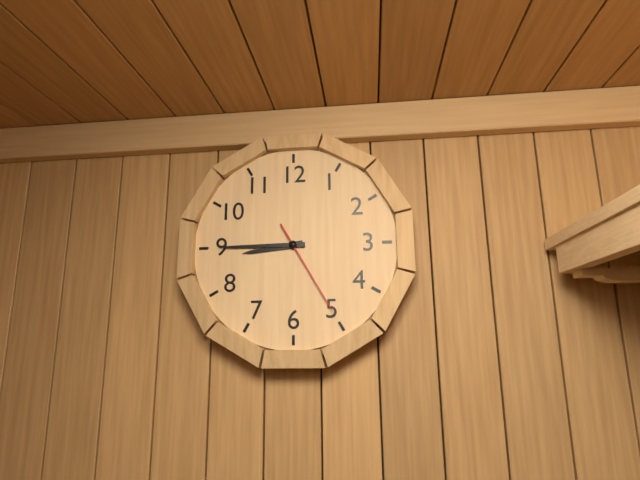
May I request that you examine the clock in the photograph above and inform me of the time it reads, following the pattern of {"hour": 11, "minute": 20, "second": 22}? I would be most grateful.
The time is {"hour": 8, "minute": 45, "second": 25}
